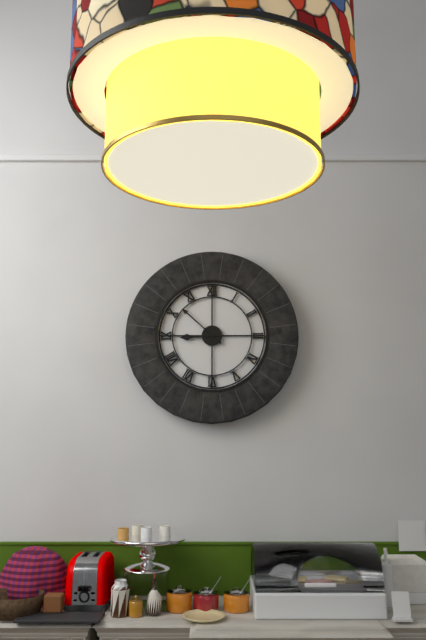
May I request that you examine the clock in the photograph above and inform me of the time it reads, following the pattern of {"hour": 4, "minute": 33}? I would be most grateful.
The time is {"hour": 8, "minute": 52}
